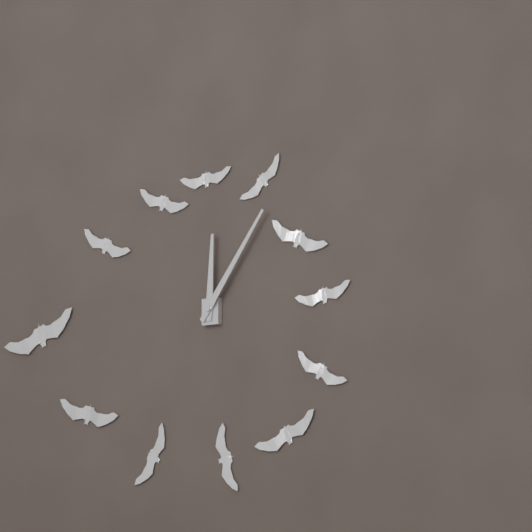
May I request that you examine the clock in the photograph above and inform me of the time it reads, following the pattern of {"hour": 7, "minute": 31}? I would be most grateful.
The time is {"hour": 12, "minute": 6}
